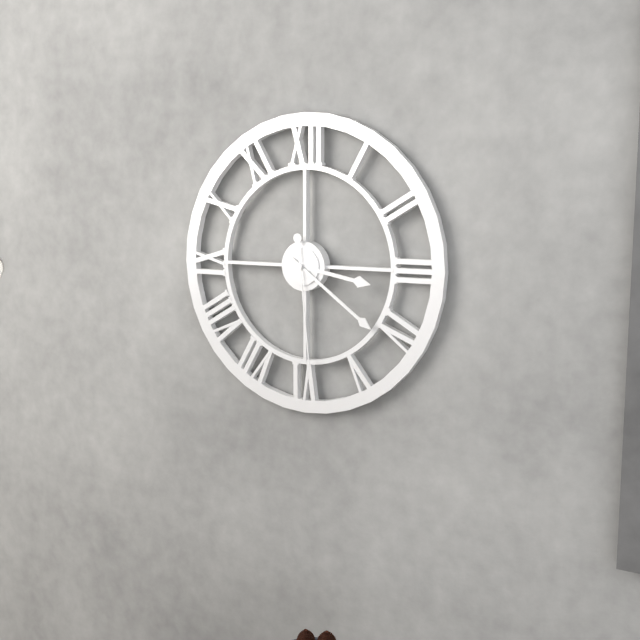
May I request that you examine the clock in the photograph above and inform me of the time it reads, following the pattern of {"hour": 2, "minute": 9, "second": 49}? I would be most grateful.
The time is {"hour": 3, "minute": 21, "second": 29}
